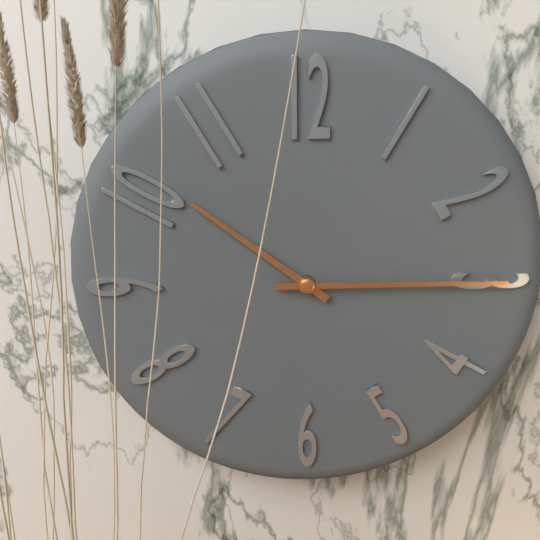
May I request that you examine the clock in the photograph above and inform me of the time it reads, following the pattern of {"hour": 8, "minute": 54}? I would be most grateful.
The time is {"hour": 10, "minute": 15}
